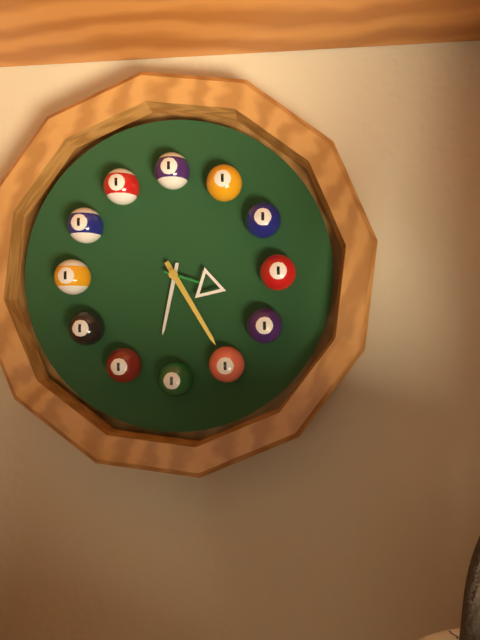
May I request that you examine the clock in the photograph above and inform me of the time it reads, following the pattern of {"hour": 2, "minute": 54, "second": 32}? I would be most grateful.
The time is {"hour": 6, "minute": 25, "second": 18}
